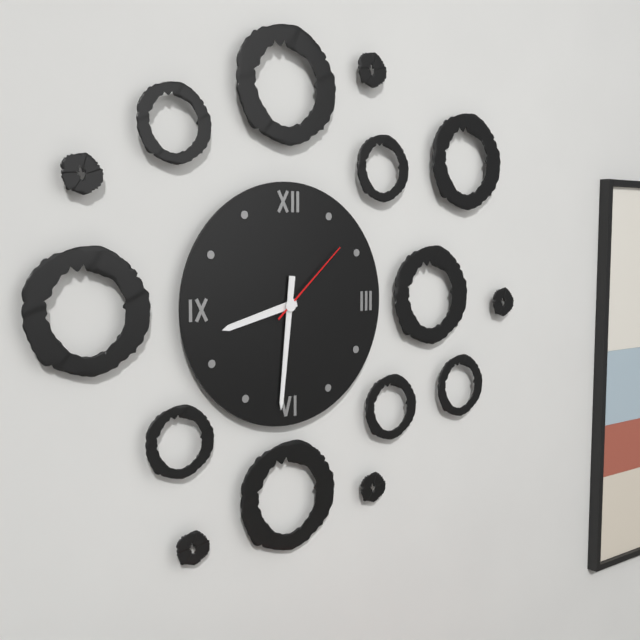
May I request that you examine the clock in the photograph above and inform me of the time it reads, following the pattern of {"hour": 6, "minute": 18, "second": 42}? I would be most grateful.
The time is {"hour": 8, "minute": 31, "second": 8}
